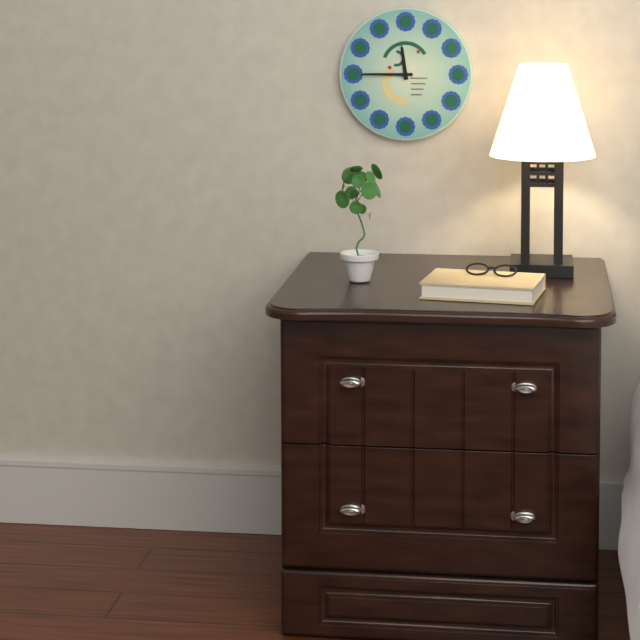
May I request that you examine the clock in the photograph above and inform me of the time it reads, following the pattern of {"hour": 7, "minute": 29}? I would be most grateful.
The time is {"hour": 11, "minute": 45}
